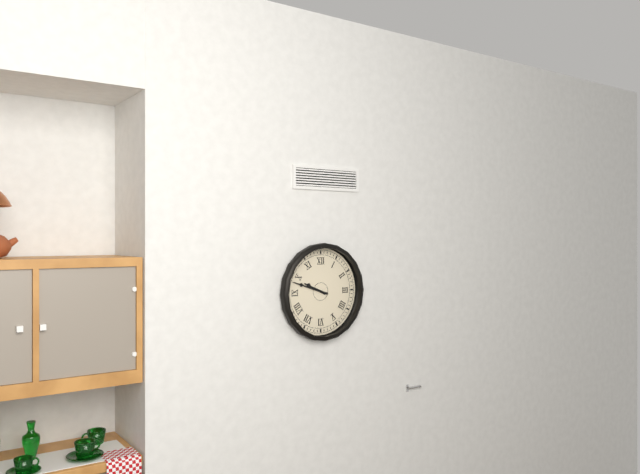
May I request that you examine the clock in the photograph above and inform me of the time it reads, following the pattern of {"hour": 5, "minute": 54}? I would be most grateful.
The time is {"hour": 9, "minute": 48}
